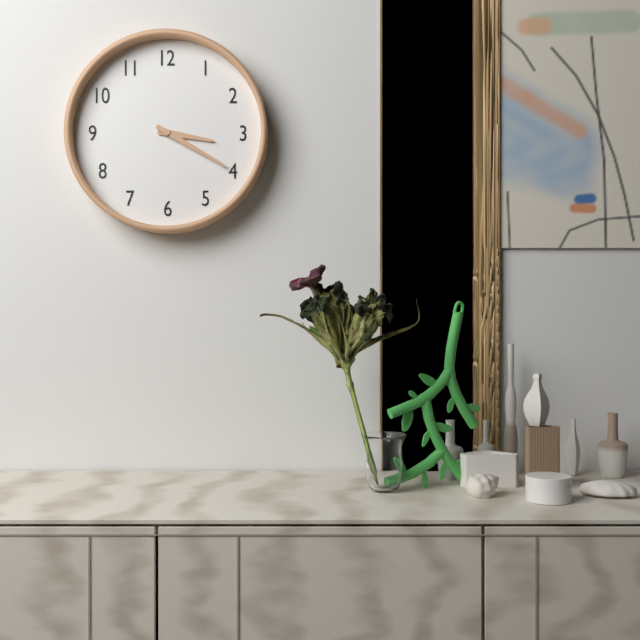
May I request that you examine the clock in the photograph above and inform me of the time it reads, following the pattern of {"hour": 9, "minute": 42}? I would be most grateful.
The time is {"hour": 3, "minute": 20}
